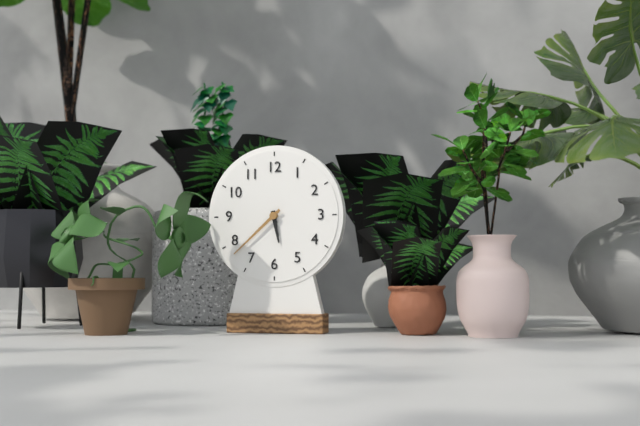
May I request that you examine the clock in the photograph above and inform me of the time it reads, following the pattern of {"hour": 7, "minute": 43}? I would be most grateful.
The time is {"hour": 5, "minute": 38}
